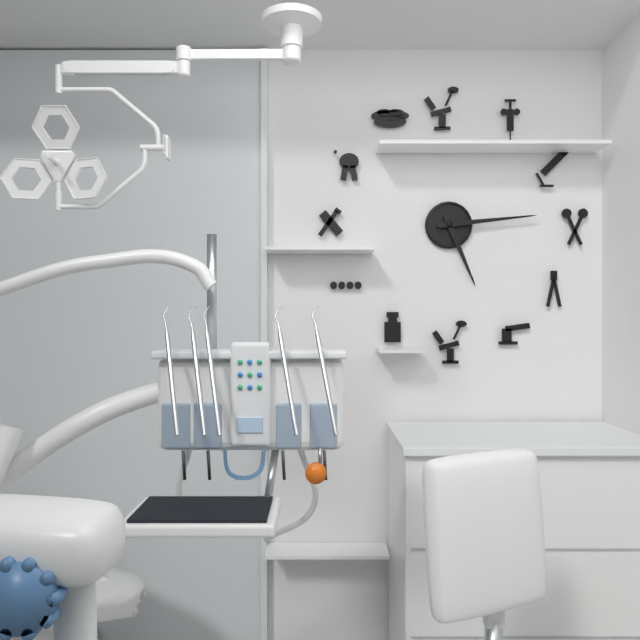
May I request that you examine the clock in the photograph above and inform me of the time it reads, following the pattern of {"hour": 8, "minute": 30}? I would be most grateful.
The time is {"hour": 5, "minute": 14}
